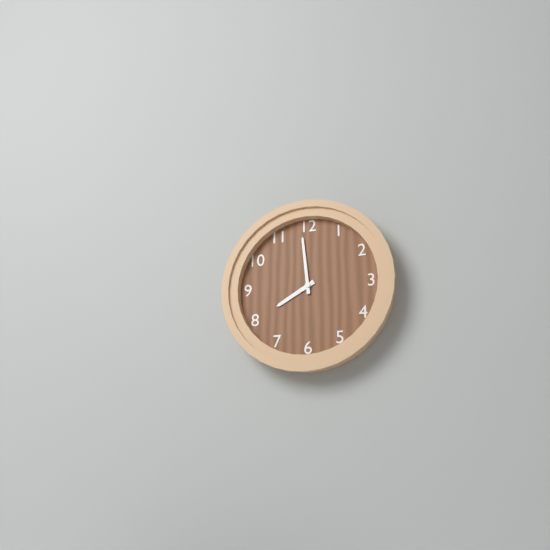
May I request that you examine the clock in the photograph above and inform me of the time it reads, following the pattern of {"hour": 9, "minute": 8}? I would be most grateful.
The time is {"hour": 7, "minute": 59}
